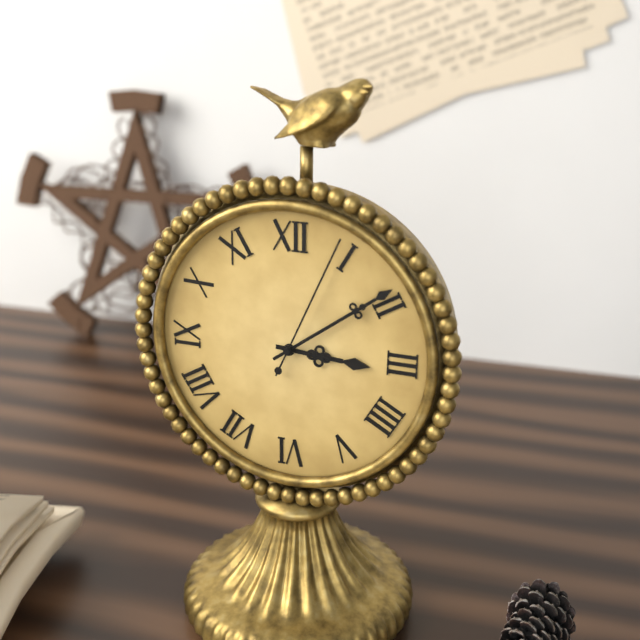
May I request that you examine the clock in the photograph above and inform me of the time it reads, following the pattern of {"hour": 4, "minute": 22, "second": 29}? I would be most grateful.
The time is {"hour": 3, "minute": 9, "second": 4}
